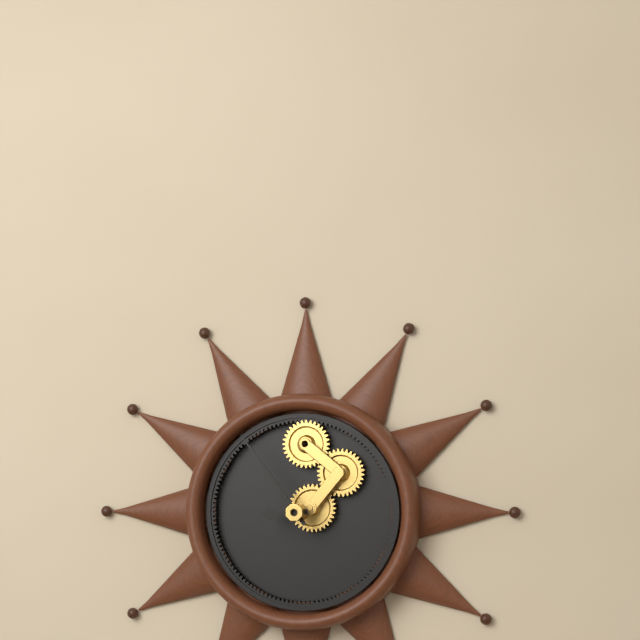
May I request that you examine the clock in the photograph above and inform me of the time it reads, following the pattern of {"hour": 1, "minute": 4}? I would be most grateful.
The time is {"hour": 8, "minute": 54}
